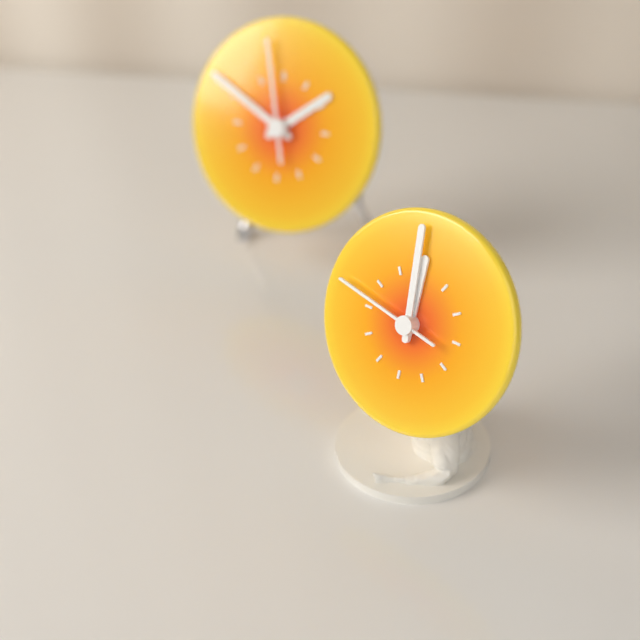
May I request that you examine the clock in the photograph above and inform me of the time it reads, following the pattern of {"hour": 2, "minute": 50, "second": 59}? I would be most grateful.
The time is {"hour": 11, "minute": 59, "second": 47}
